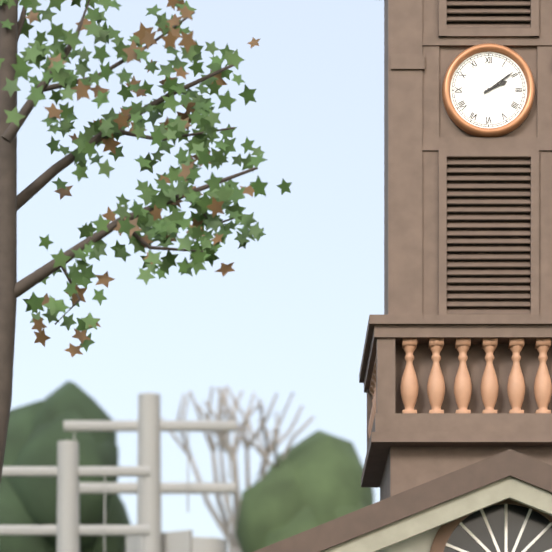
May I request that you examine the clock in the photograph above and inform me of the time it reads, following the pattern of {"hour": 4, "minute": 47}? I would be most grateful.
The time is {"hour": 2, "minute": 9}
